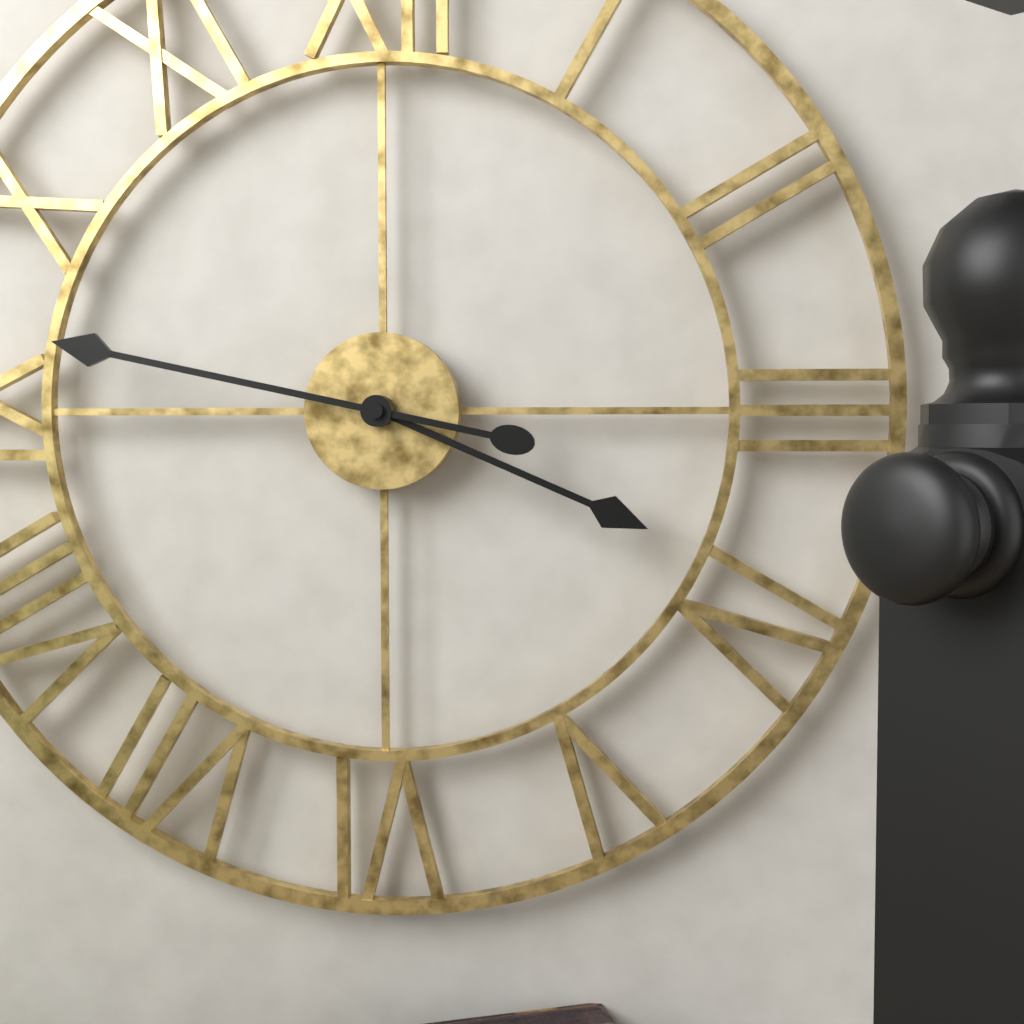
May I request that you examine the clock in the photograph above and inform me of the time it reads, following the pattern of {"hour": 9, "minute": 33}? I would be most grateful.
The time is {"hour": 3, "minute": 47}
